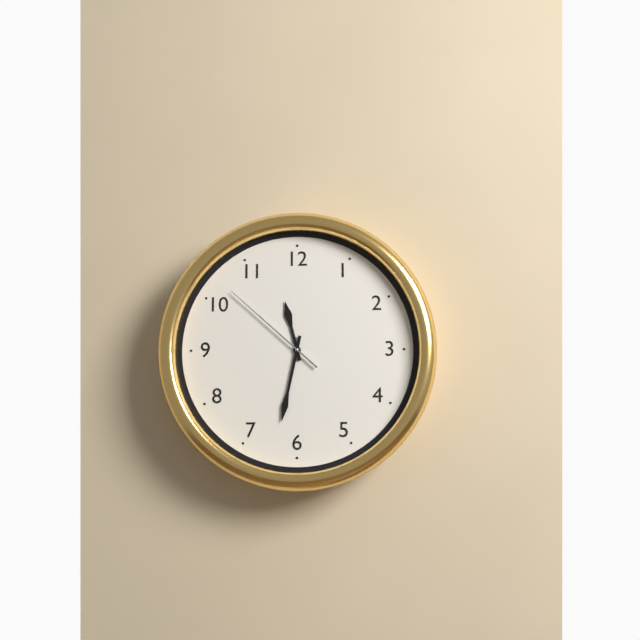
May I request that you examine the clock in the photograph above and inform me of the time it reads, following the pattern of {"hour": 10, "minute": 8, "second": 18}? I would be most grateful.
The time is {"hour": 11, "minute": 32, "second": 52}
